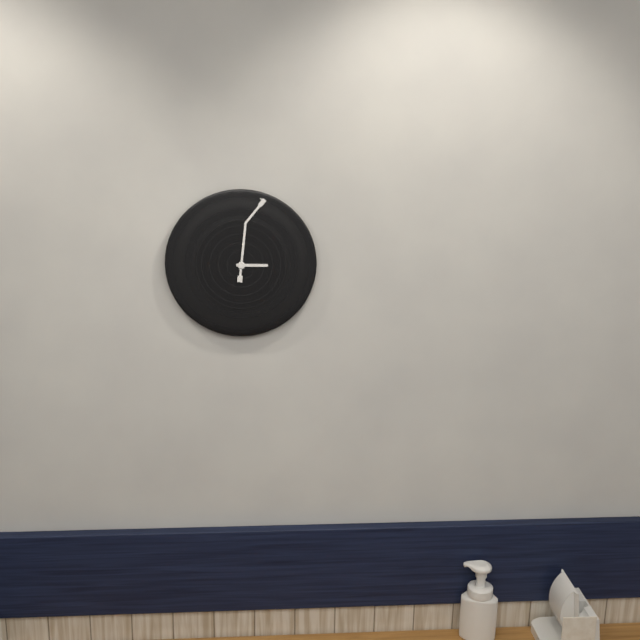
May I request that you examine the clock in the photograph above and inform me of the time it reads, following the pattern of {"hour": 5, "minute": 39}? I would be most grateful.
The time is {"hour": 3, "minute": 1}
